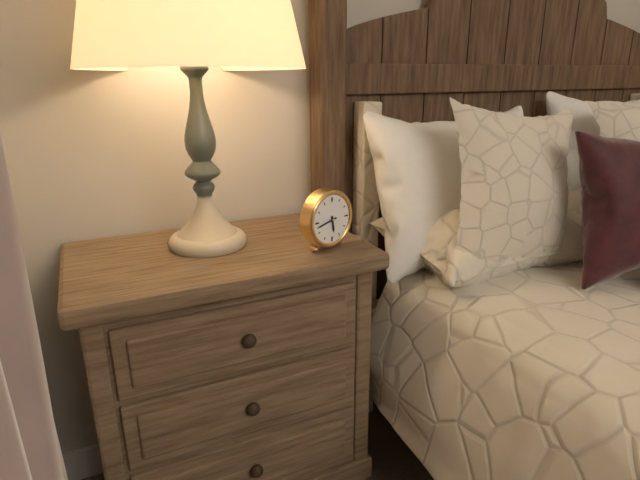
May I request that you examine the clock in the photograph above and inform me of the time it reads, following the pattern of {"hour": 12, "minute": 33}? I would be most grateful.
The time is {"hour": 5, "minute": 43}
